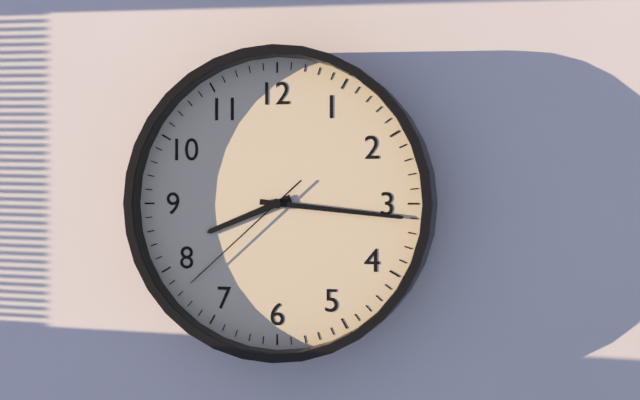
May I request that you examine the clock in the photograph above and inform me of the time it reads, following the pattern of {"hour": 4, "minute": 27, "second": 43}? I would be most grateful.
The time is {"hour": 8, "minute": 16, "second": 38}
